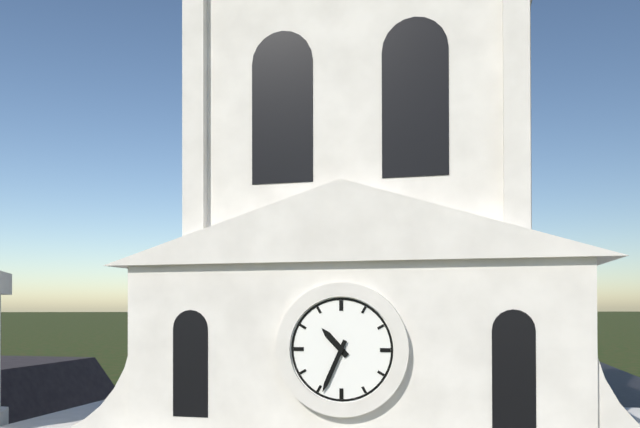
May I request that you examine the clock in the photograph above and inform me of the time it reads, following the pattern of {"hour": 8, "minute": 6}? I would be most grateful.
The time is {"hour": 10, "minute": 34}
